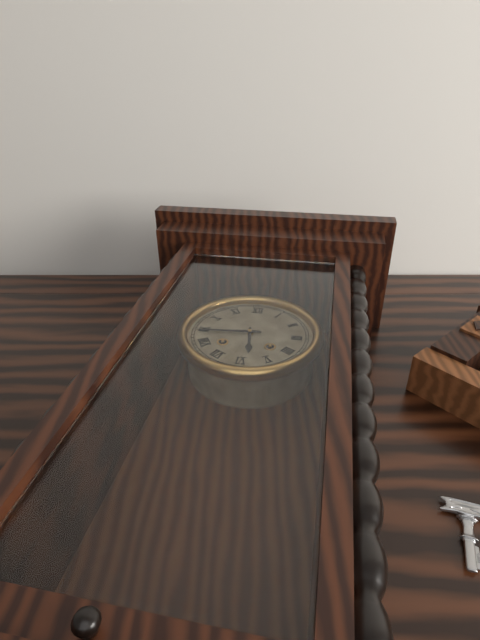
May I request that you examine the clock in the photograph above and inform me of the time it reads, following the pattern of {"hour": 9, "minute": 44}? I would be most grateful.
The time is {"hour": 5, "minute": 44}
